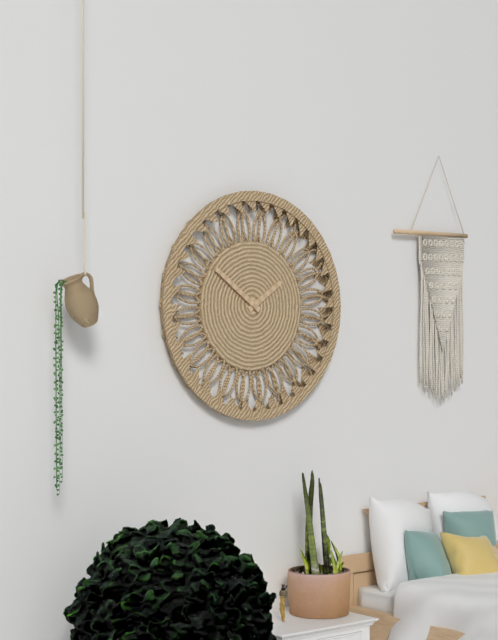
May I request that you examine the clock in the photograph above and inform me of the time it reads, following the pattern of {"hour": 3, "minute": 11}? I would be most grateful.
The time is {"hour": 1, "minute": 51}
